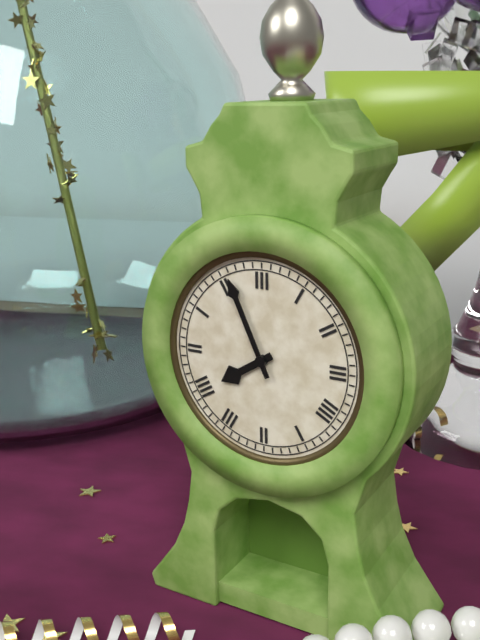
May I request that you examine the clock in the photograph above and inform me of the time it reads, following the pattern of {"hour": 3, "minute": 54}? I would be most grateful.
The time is {"hour": 7, "minute": 56}
